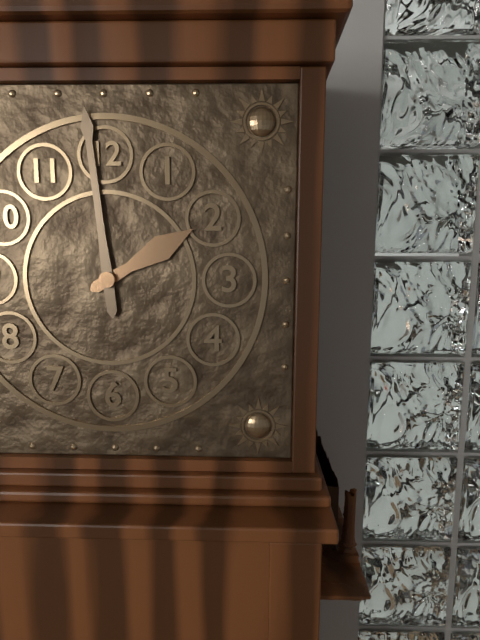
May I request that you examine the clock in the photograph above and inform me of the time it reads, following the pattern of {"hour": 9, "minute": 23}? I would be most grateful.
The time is {"hour": 1, "minute": 59}
